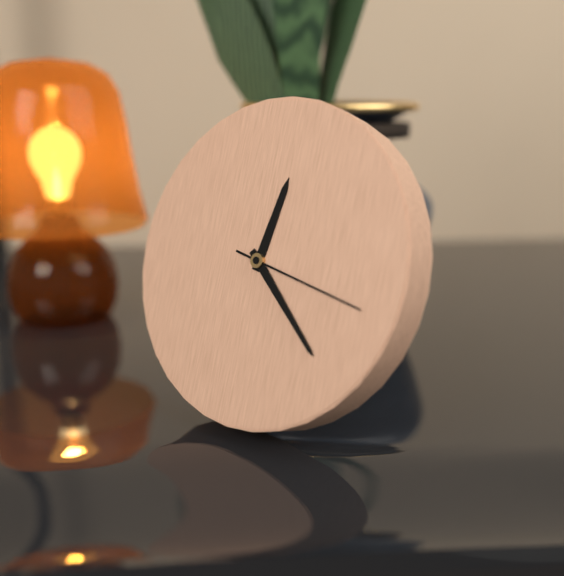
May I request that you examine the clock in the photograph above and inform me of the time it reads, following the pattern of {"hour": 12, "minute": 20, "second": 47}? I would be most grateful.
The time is {"hour": 12, "minute": 22, "second": 17}
